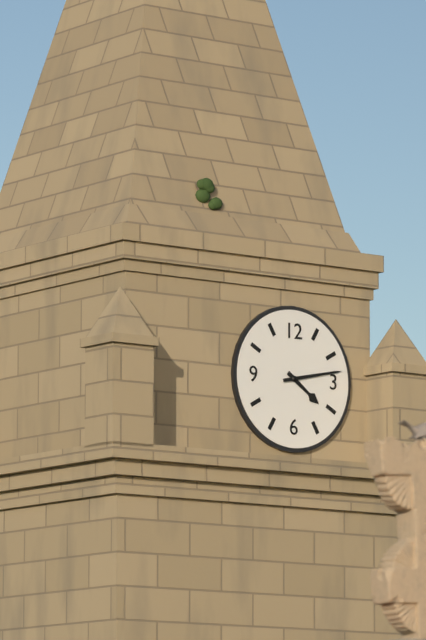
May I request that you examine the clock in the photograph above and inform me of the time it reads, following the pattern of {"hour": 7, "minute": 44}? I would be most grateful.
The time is {"hour": 4, "minute": 13}
